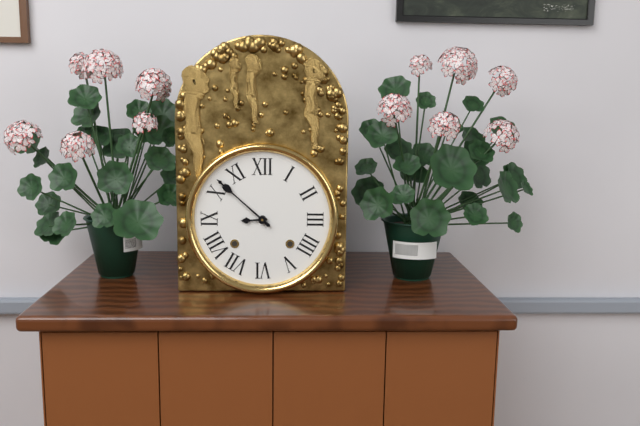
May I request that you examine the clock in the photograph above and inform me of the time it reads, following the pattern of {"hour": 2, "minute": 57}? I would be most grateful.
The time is {"hour": 8, "minute": 52}
